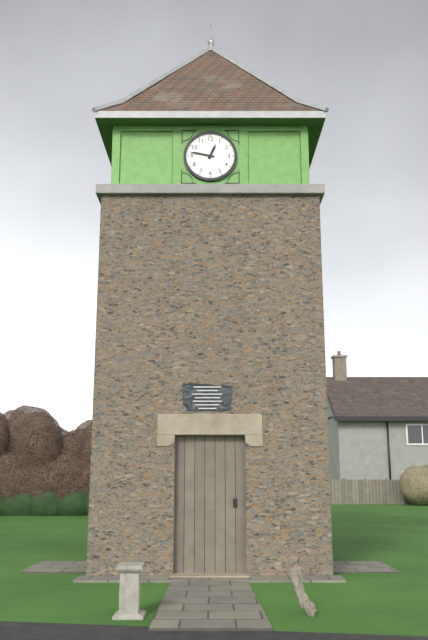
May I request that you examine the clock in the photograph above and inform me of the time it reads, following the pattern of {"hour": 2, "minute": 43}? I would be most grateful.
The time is {"hour": 12, "minute": 47}
